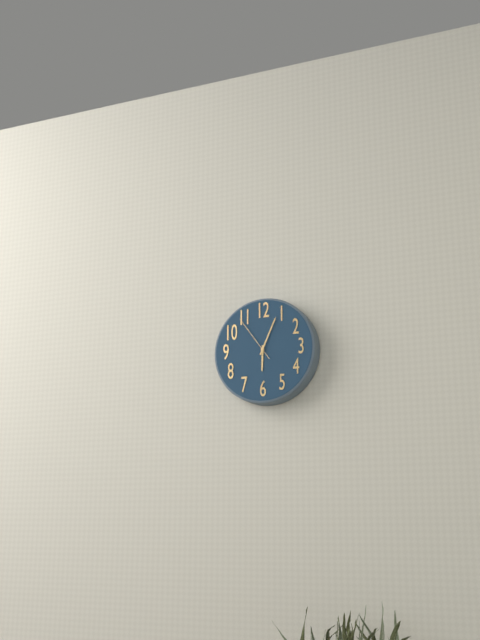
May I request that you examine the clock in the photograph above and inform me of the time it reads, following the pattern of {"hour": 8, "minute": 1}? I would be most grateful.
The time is {"hour": 6, "minute": 4}
